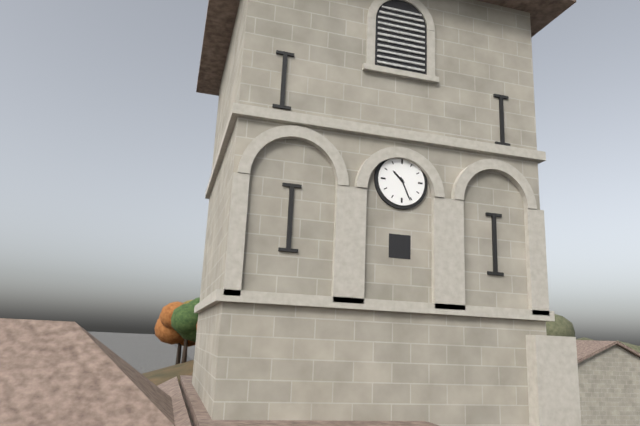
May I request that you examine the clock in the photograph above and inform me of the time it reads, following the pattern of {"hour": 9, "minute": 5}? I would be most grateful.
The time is {"hour": 10, "minute": 26}
